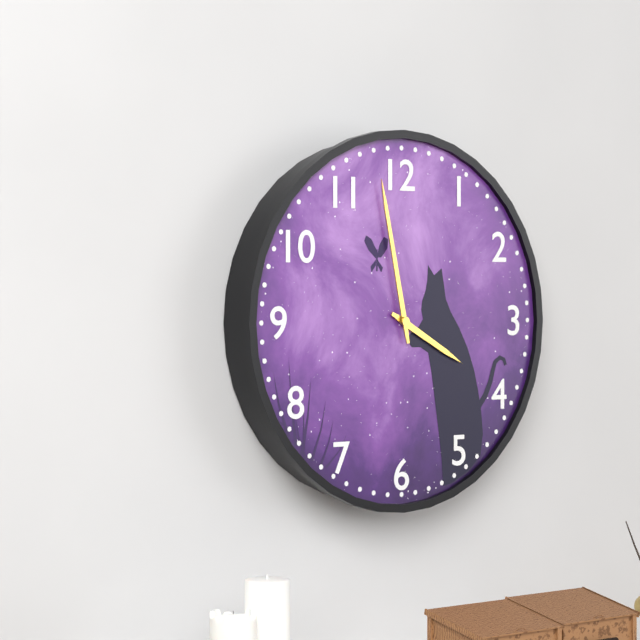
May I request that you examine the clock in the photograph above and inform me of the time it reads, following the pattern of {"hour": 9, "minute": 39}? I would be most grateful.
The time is {"hour": 3, "minute": 58}
